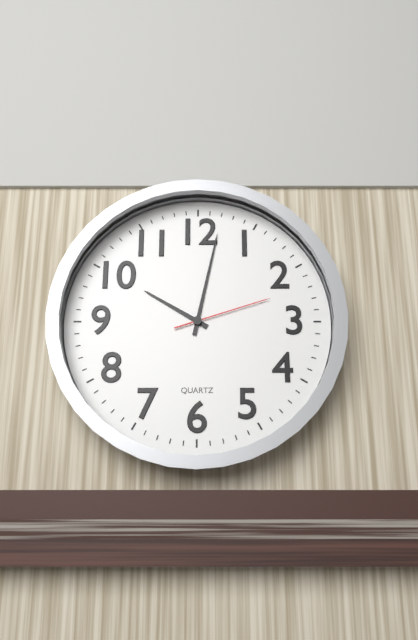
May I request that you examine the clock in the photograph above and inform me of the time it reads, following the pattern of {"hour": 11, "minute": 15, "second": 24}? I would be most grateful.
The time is {"hour": 10, "minute": 2, "second": 12}
